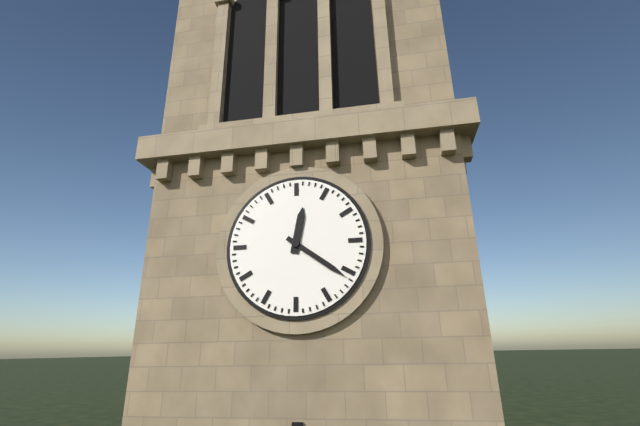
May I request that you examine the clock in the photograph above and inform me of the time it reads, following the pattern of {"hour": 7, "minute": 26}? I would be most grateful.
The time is {"hour": 12, "minute": 21}
